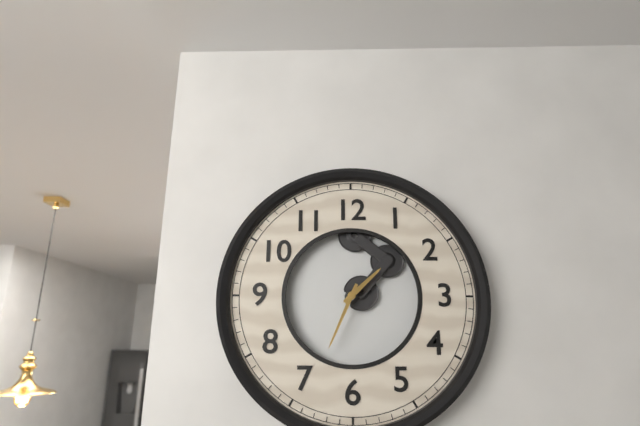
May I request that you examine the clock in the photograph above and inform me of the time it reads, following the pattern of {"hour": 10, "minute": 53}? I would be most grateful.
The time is {"hour": 1, "minute": 34}
